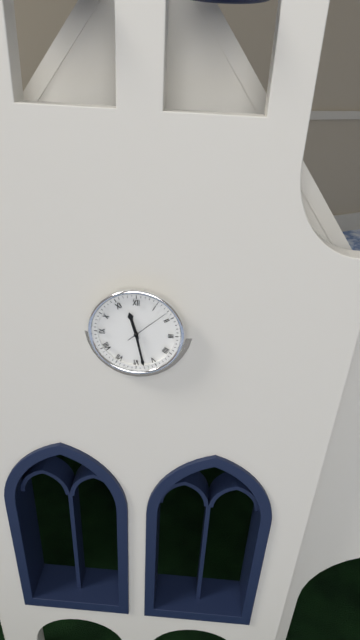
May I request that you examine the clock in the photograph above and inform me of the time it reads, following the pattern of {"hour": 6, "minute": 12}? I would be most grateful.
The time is {"hour": 11, "minute": 28}
